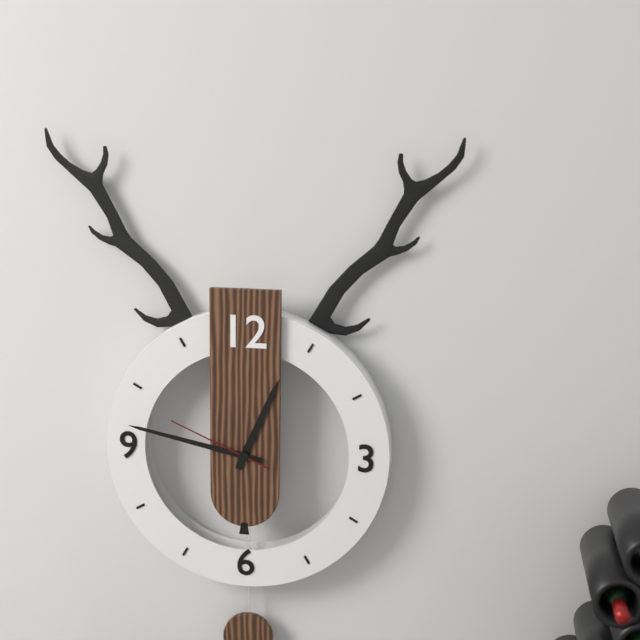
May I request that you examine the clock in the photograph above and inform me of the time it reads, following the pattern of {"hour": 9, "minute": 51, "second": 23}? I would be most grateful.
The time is {"hour": 12, "minute": 47, "second": 49}
